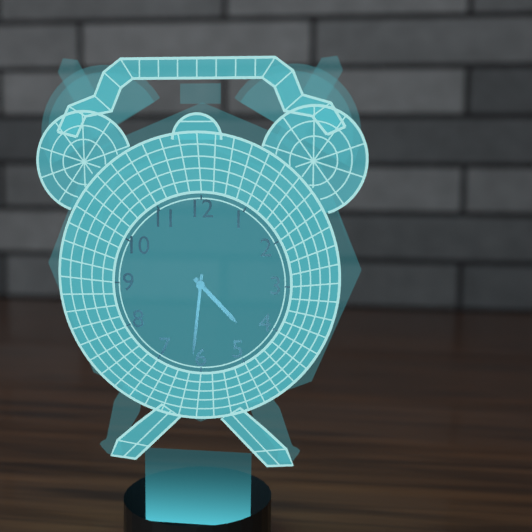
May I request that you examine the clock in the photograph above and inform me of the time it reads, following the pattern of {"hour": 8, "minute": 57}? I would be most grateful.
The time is {"hour": 4, "minute": 31}
